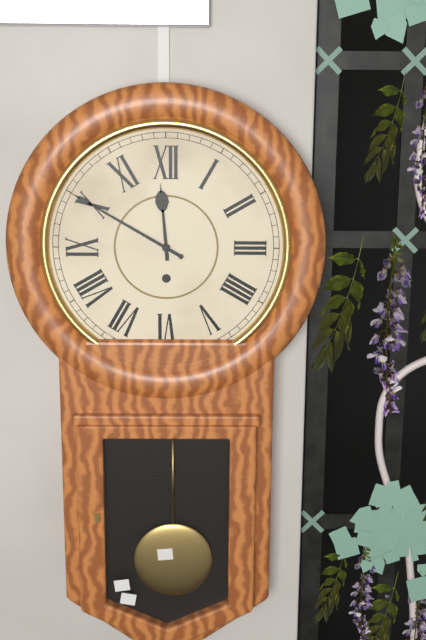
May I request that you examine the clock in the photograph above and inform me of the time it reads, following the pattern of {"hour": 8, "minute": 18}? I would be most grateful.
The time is {"hour": 11, "minute": 50}
